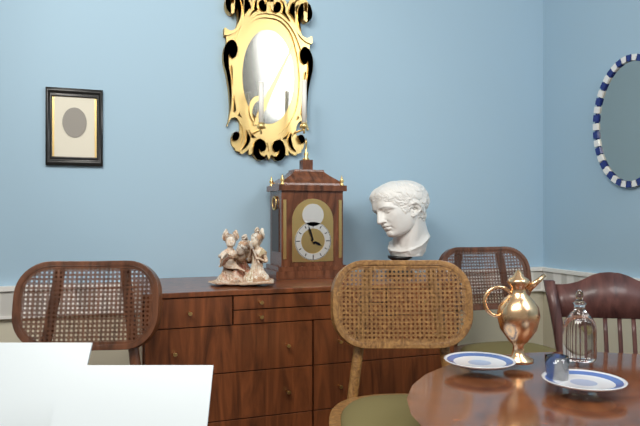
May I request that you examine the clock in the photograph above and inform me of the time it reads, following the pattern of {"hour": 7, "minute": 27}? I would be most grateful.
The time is {"hour": 3, "minute": 57}
